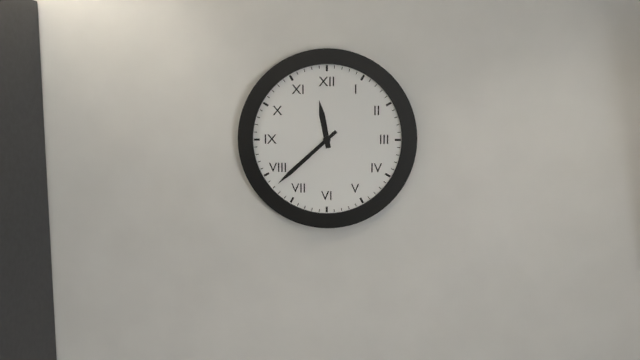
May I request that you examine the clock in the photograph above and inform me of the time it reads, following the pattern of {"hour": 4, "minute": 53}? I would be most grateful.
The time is {"hour": 11, "minute": 38}
